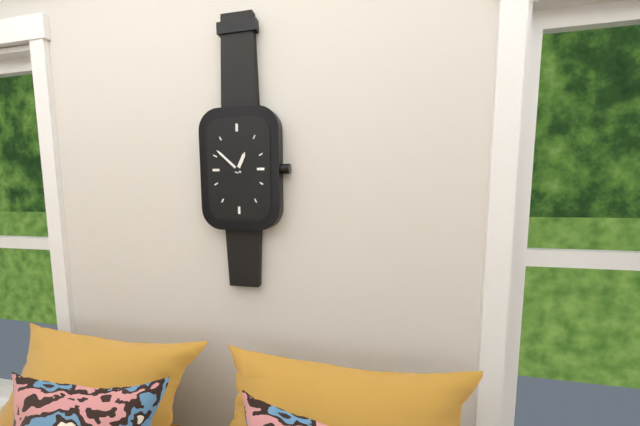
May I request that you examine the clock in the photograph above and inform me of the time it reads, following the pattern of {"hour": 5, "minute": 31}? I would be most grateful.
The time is {"hour": 12, "minute": 52}
